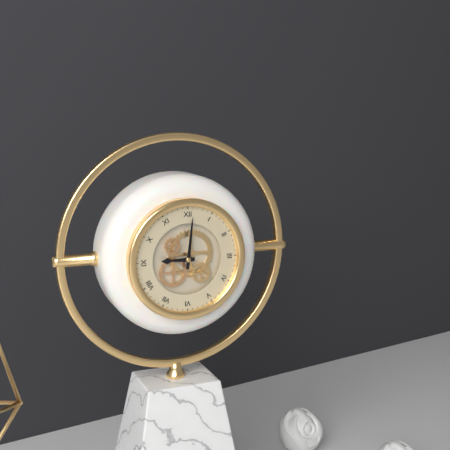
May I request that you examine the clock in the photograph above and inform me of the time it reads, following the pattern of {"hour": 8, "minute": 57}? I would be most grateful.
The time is {"hour": 9, "minute": 1}
